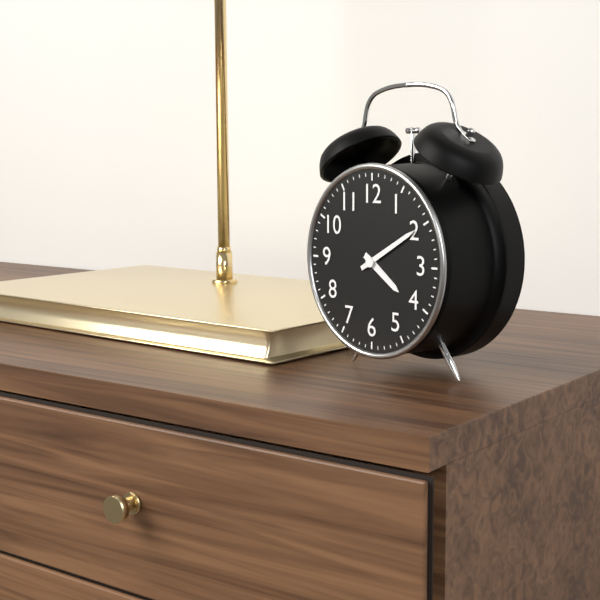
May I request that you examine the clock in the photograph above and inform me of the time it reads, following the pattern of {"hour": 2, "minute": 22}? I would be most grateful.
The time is {"hour": 4, "minute": 10}
